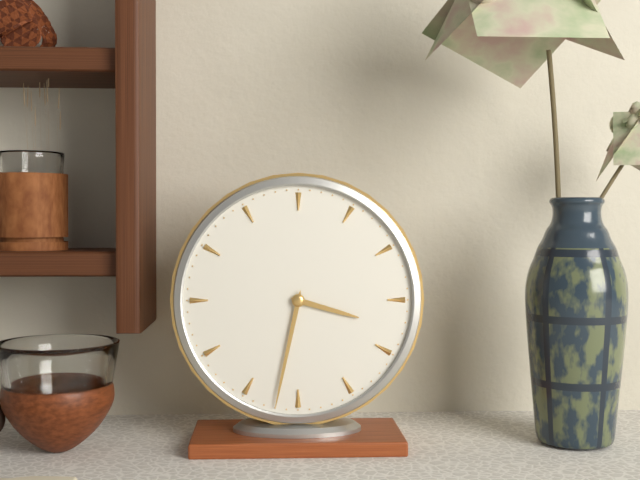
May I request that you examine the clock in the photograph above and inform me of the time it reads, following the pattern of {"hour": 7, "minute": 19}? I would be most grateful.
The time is {"hour": 3, "minute": 32}
